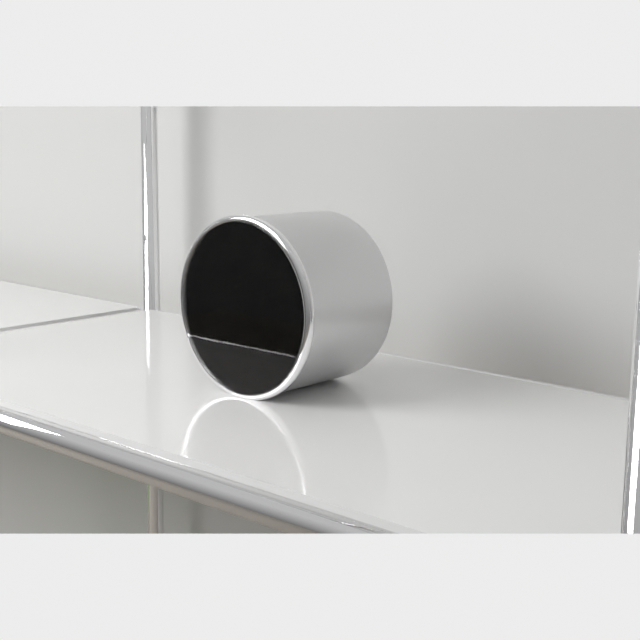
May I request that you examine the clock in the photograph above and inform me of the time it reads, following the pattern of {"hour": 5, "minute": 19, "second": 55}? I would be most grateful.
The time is {"hour": 4, "minute": 16, "second": 24}
